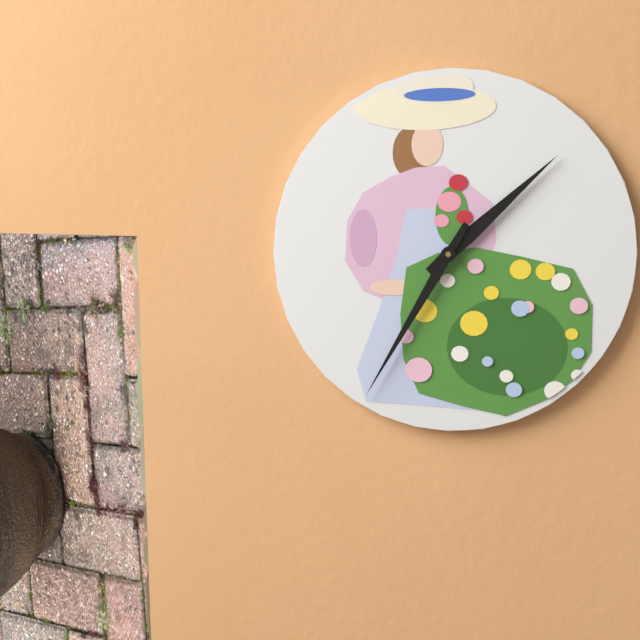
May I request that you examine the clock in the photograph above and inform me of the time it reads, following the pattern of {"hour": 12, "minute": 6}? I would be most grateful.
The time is {"hour": 1, "minute": 35}
